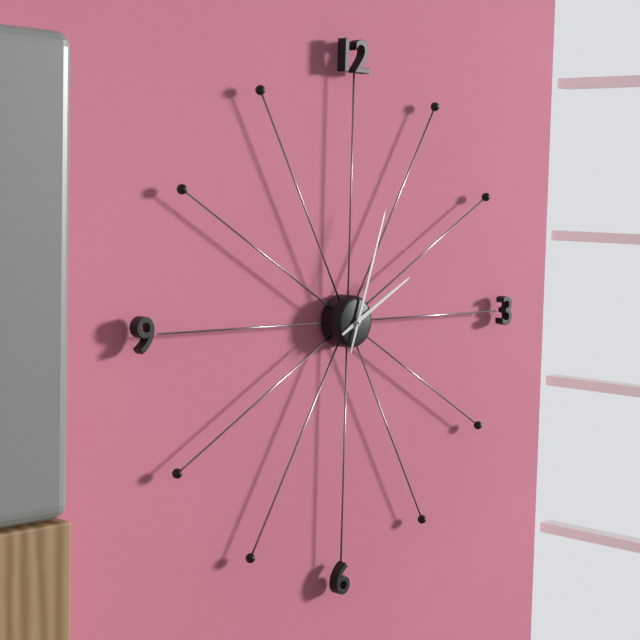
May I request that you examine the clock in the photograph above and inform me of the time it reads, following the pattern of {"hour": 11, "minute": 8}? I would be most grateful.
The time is {"hour": 2, "minute": 3}
